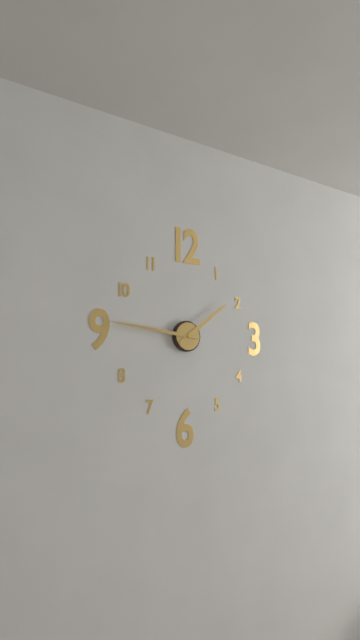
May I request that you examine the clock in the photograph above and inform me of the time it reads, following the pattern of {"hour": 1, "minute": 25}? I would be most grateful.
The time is {"hour": 1, "minute": 46}
